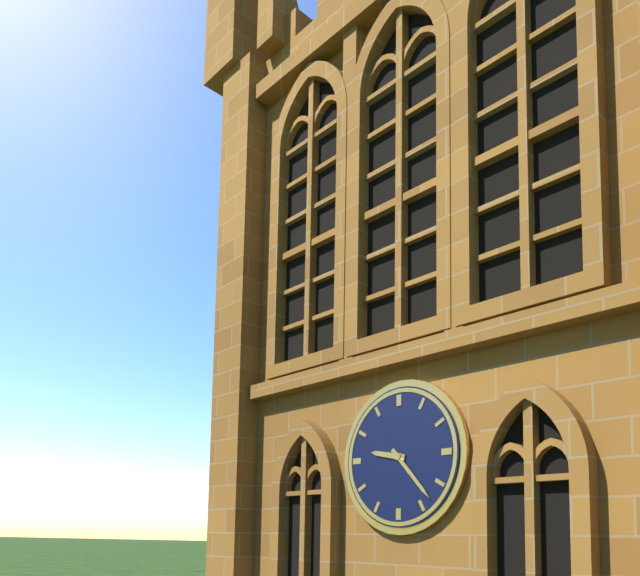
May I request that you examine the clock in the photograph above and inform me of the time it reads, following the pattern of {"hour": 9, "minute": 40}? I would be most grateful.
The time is {"hour": 9, "minute": 23}
